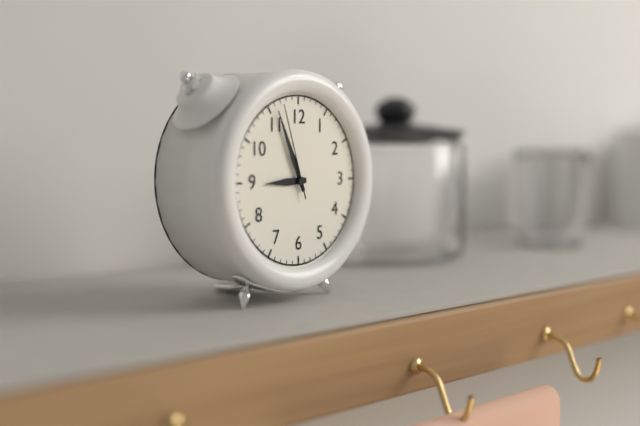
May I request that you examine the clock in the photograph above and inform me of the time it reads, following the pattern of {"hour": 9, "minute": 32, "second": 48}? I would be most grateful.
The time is {"hour": 8, "minute": 56, "second": 57}
